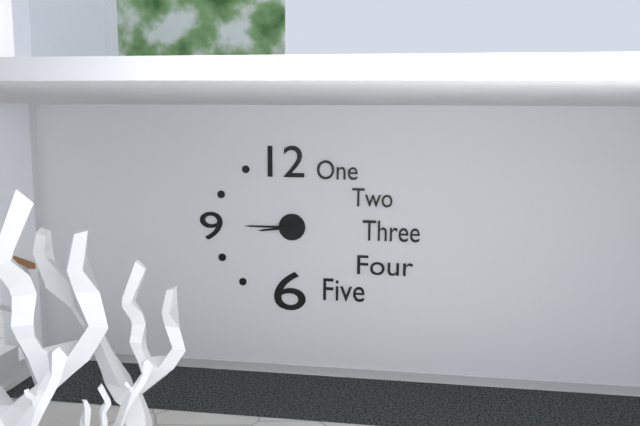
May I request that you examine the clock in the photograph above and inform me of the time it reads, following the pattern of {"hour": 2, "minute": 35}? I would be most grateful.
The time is {"hour": 8, "minute": 45}
